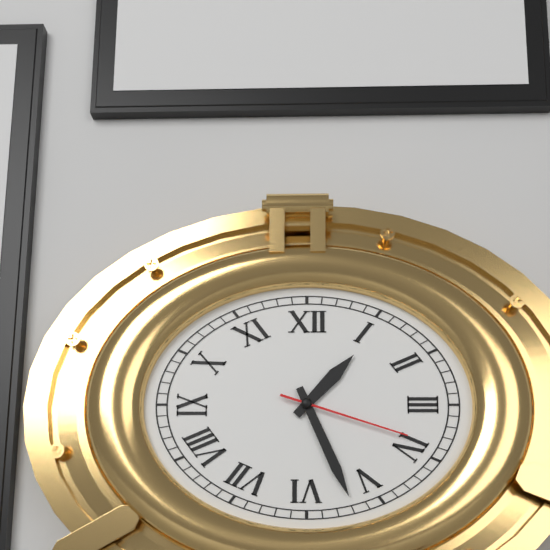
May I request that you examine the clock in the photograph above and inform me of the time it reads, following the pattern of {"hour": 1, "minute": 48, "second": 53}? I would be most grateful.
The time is {"hour": 1, "minute": 26, "second": 18}
